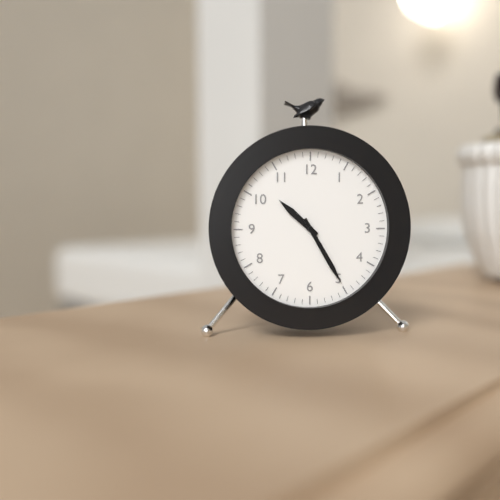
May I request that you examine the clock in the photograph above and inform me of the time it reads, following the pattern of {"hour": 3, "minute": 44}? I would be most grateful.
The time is {"hour": 10, "minute": 25}
